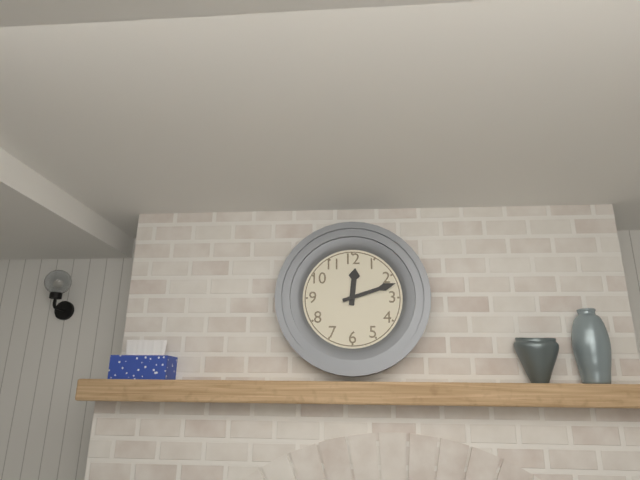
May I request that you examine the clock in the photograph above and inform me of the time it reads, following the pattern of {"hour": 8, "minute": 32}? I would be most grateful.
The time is {"hour": 12, "minute": 12}
